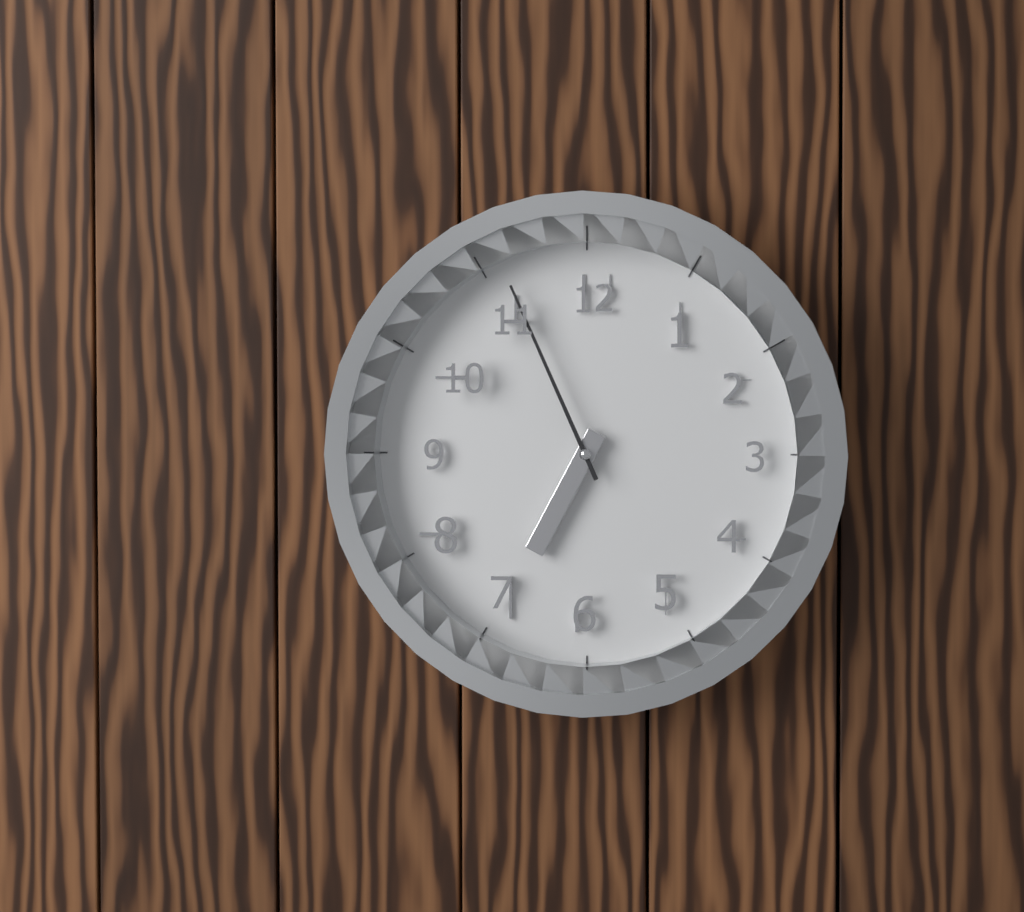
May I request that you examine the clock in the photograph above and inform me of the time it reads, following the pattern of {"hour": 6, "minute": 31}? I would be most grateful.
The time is {"hour": 6, "minute": 56}
